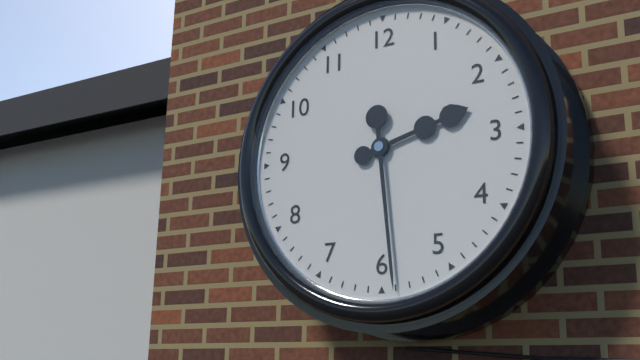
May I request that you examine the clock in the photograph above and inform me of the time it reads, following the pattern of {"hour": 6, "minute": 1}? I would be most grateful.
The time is {"hour": 2, "minute": 29}
